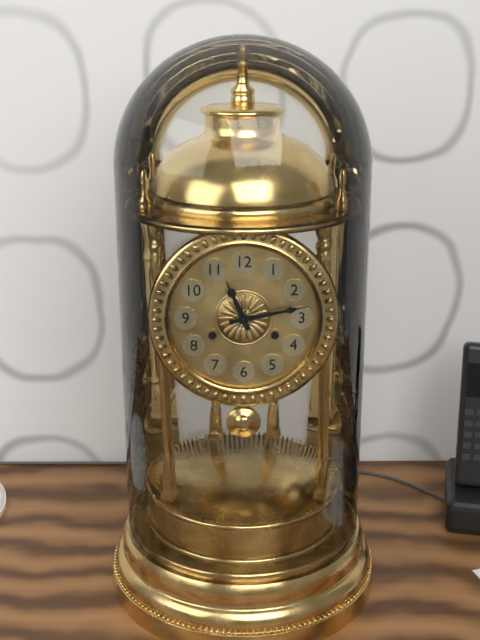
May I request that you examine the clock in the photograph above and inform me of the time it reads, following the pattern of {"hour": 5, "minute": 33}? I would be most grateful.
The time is {"hour": 11, "minute": 13}
